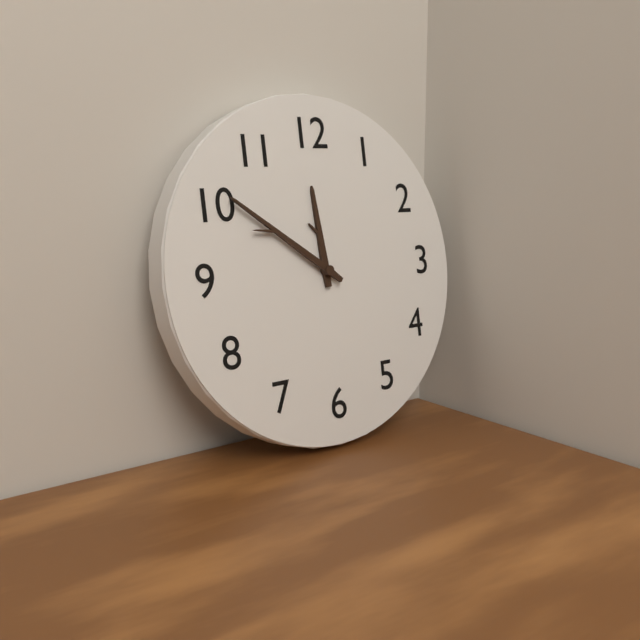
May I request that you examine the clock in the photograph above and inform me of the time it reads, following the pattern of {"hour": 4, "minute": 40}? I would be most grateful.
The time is {"hour": 11, "minute": 51}
